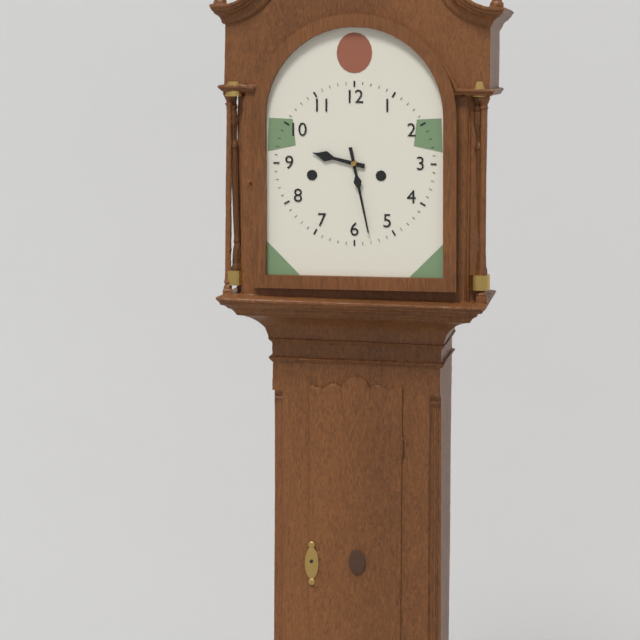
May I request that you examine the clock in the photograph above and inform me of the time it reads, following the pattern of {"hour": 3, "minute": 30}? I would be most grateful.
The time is {"hour": 9, "minute": 28}
